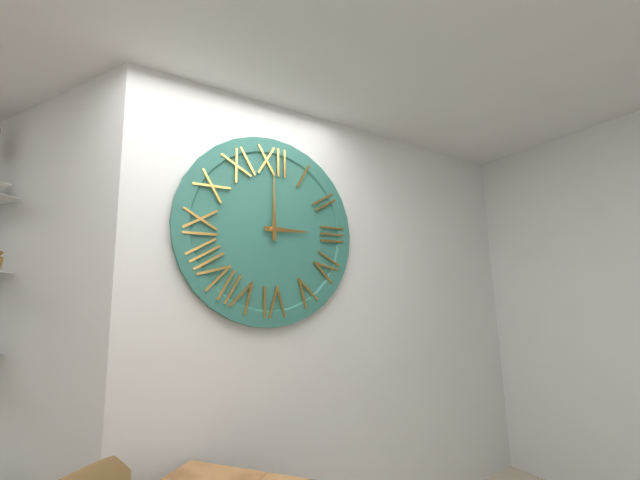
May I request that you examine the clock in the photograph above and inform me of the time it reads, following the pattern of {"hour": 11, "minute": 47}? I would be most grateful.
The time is {"hour": 3, "minute": 0}
